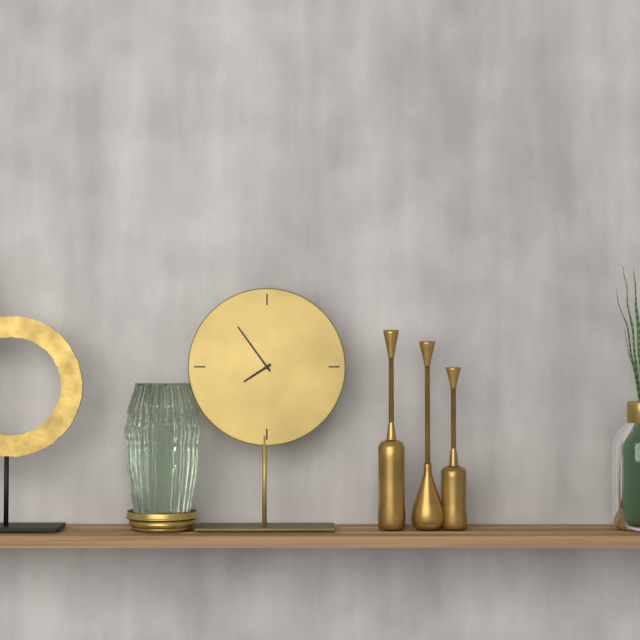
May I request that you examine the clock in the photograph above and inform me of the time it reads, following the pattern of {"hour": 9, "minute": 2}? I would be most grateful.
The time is {"hour": 7, "minute": 54}
